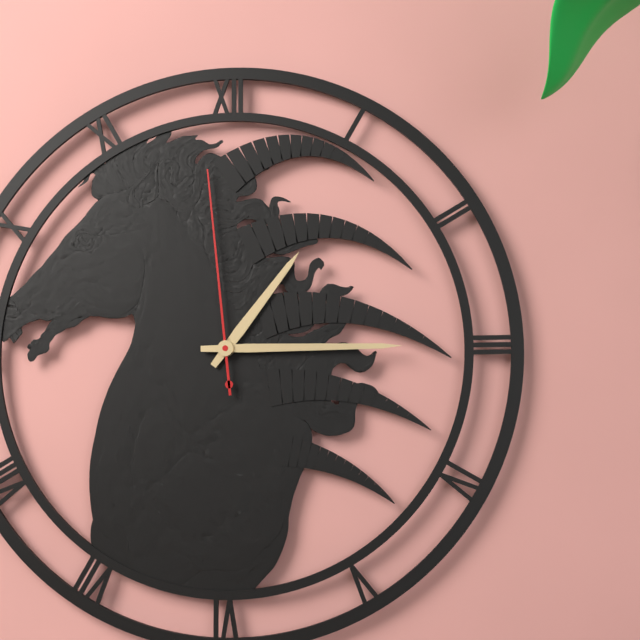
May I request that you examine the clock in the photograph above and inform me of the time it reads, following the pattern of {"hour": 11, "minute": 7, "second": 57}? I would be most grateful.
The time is {"hour": 1, "minute": 15, "second": 59}
